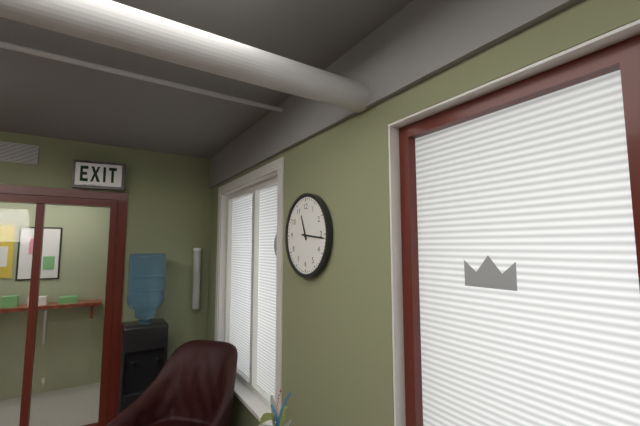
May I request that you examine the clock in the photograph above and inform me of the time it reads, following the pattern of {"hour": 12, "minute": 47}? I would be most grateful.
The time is {"hour": 11, "minute": 16}
